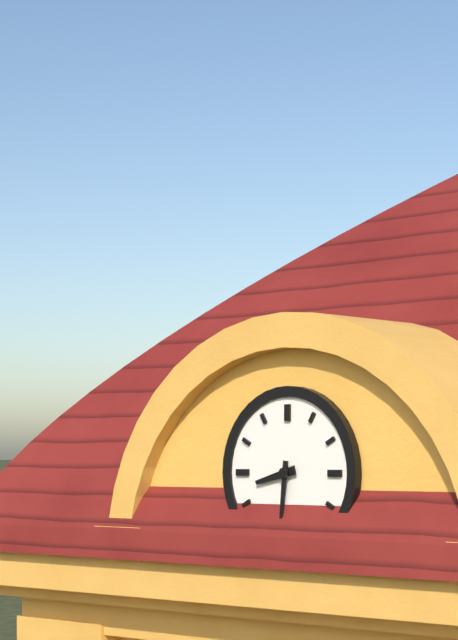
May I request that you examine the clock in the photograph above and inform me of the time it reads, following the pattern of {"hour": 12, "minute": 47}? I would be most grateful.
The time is {"hour": 8, "minute": 31}
